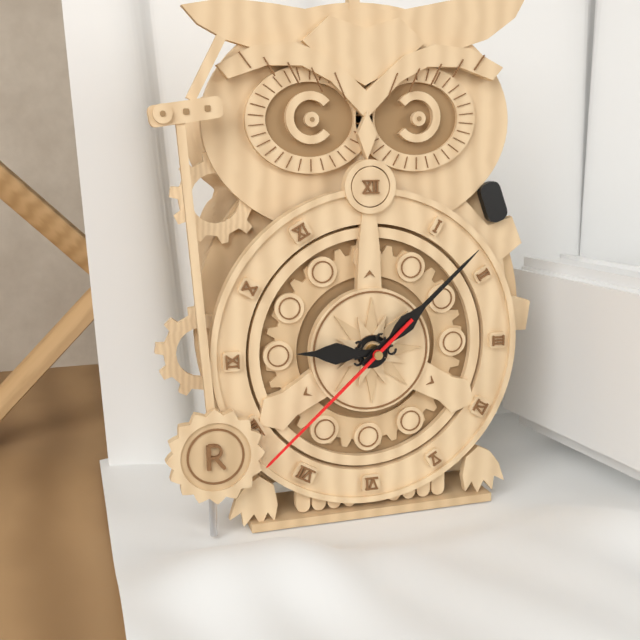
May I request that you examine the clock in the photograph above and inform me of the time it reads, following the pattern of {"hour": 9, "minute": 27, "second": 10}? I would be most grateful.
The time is {"hour": 9, "minute": 8, "second": 38}
